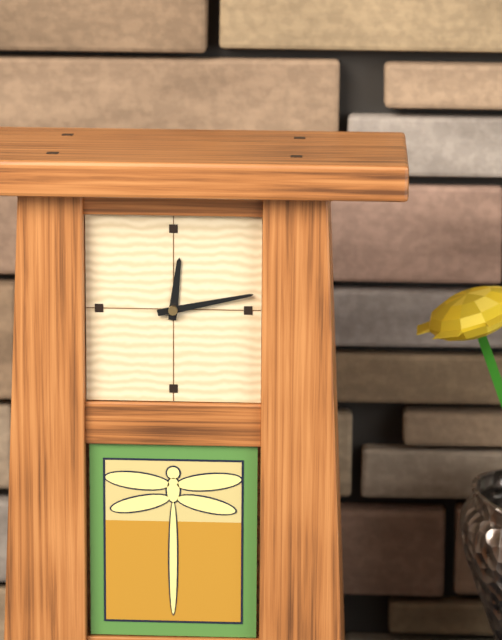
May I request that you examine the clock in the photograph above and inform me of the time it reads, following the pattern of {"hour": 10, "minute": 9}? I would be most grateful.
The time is {"hour": 12, "minute": 13}
